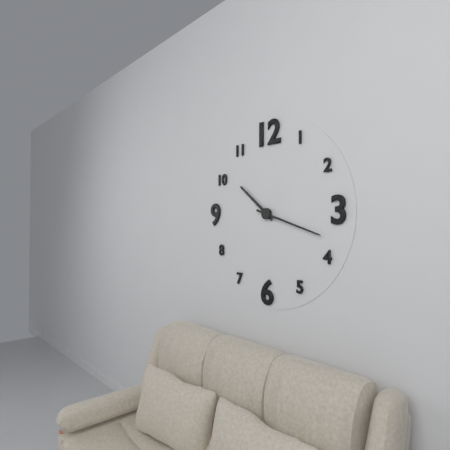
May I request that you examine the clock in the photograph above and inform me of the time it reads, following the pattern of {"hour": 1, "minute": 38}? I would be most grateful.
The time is {"hour": 10, "minute": 18}
